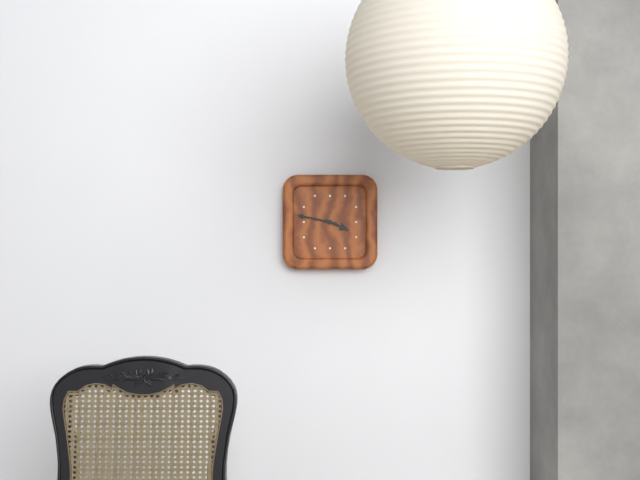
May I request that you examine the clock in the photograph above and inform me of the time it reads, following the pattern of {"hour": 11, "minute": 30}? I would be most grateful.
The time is {"hour": 3, "minute": 47}
